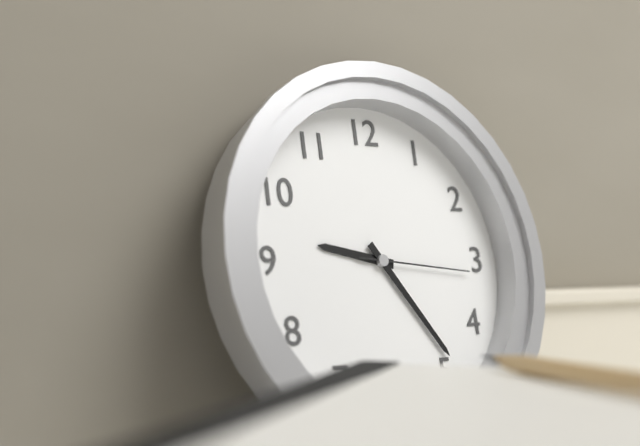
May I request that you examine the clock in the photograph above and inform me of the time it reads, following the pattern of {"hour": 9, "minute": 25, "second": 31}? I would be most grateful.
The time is {"hour": 9, "minute": 24, "second": 16}
